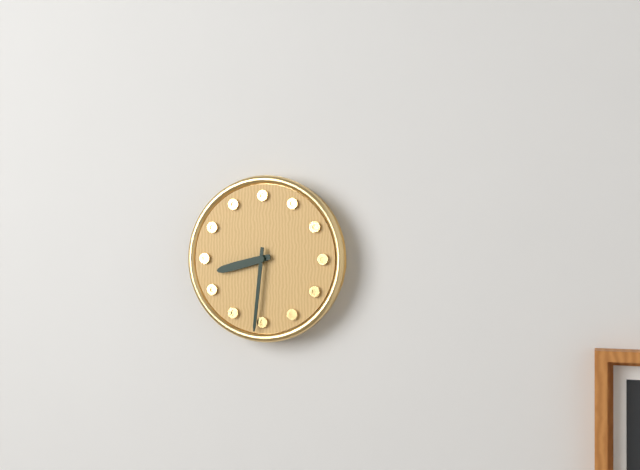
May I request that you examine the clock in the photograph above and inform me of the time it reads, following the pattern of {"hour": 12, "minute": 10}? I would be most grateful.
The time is {"hour": 8, "minute": 31}
